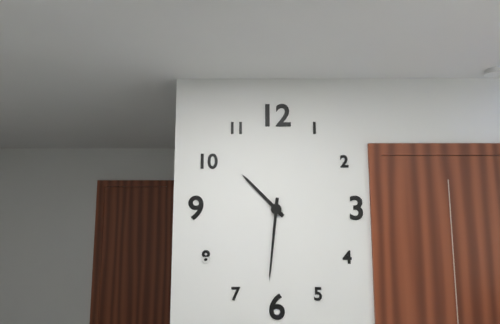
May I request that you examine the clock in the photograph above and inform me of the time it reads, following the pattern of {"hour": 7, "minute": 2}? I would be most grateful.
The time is {"hour": 10, "minute": 31}
